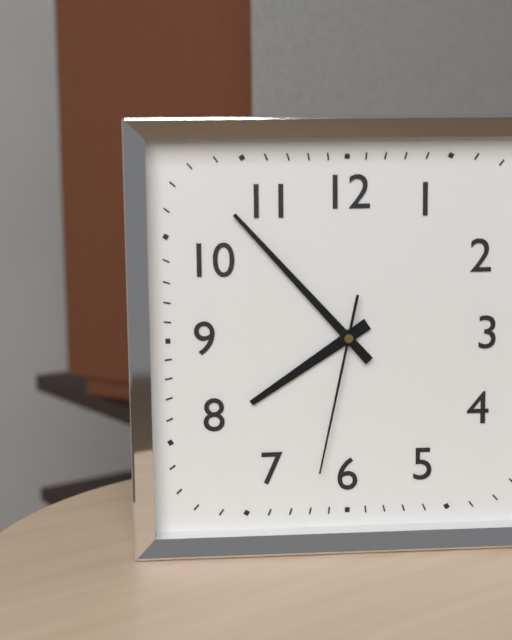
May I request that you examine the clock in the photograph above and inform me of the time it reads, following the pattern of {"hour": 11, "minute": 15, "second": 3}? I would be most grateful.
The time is {"hour": 7, "minute": 53, "second": 32}
